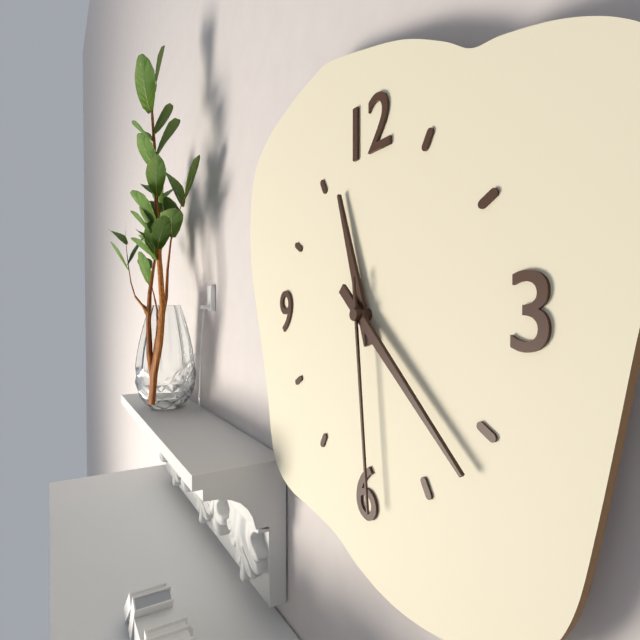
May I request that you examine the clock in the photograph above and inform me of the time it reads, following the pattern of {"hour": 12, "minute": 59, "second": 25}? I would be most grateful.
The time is {"hour": 11, "minute": 22, "second": 29}
